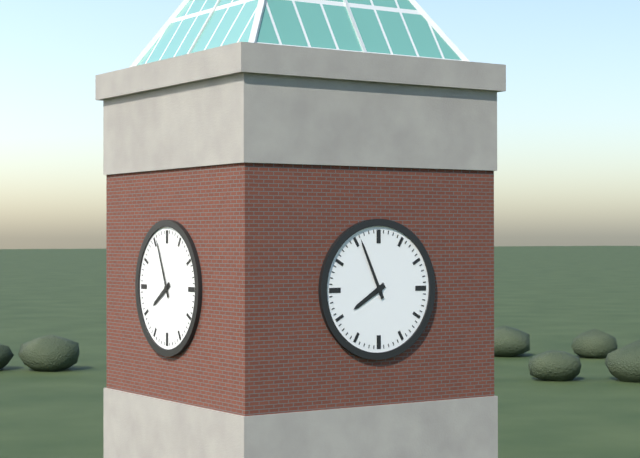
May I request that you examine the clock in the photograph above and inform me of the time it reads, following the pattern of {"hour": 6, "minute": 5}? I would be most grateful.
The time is {"hour": 7, "minute": 56}
